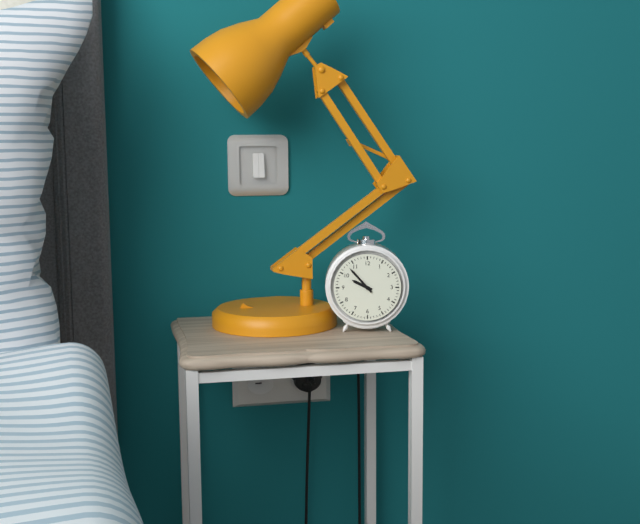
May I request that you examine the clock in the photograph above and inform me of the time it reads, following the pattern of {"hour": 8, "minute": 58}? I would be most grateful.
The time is {"hour": 9, "minute": 53}
